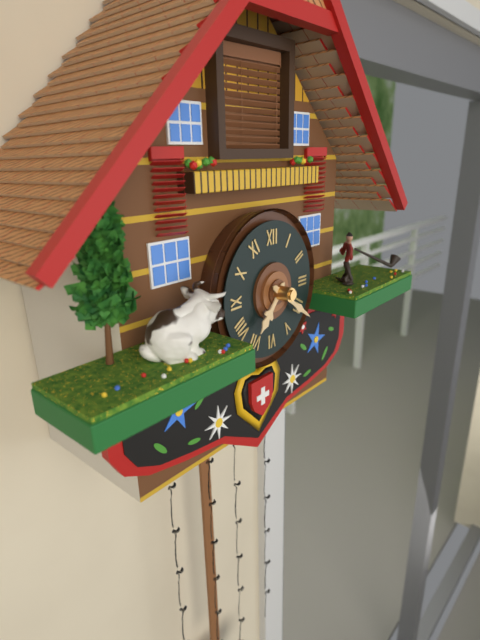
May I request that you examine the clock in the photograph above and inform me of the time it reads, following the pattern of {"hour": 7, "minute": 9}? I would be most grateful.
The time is {"hour": 7, "minute": 21}
